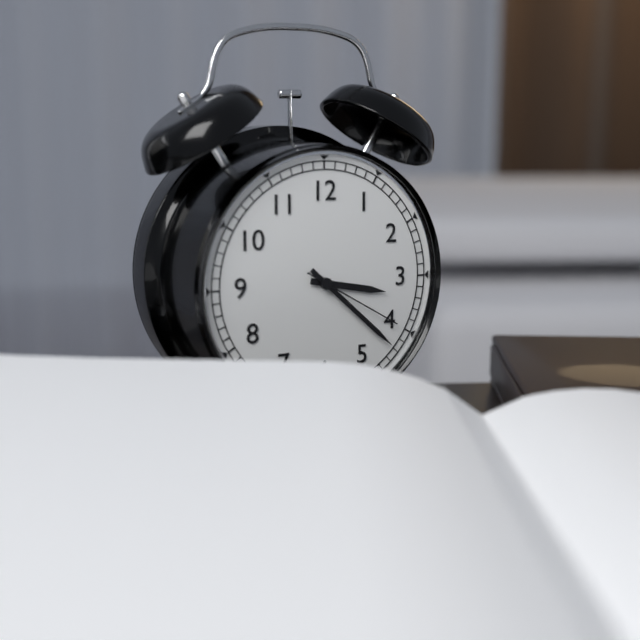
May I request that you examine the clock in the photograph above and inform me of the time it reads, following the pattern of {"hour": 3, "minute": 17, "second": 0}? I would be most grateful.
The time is {"hour": 3, "minute": 22, "second": 20}
